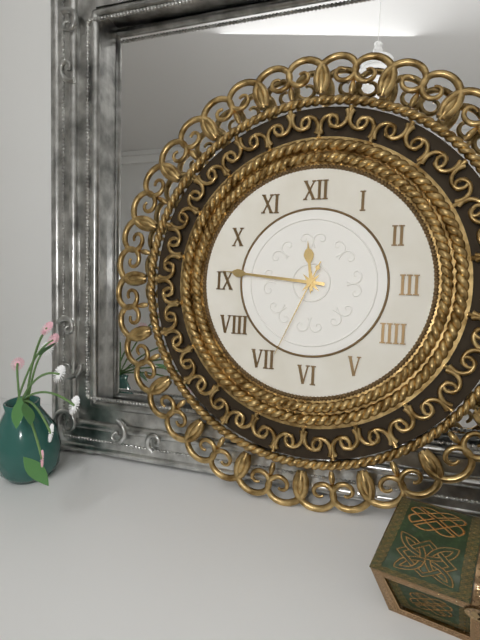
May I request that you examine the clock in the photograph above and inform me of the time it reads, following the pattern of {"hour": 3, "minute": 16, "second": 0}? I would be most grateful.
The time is {"hour": 11, "minute": 46, "second": 34}
